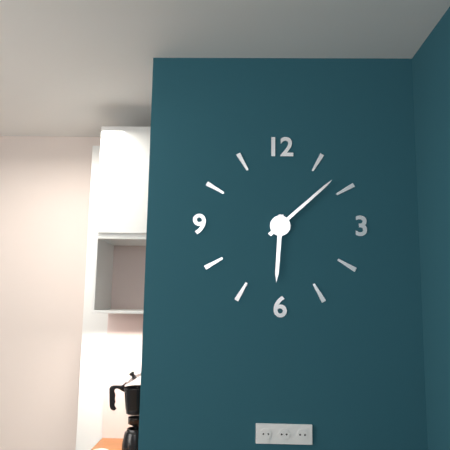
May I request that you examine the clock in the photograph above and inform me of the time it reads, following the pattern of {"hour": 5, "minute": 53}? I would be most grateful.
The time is {"hour": 6, "minute": 8}
